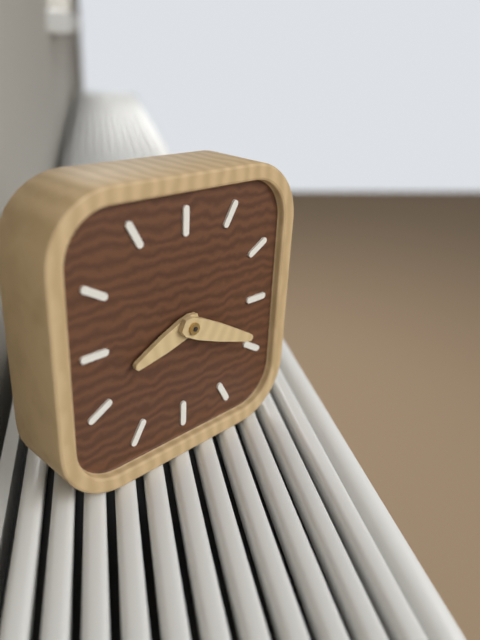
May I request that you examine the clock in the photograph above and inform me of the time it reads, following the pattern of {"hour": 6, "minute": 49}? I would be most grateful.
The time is {"hour": 8, "minute": 19}
